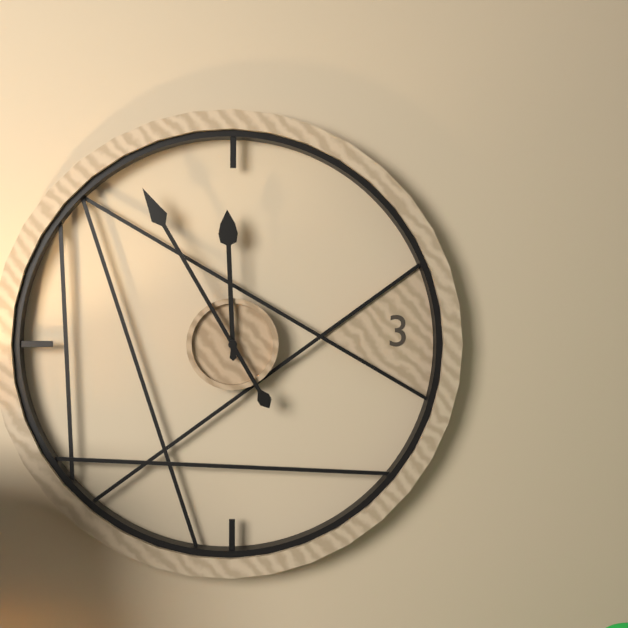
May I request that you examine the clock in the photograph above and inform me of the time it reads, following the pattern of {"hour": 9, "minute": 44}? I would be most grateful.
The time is {"hour": 11, "minute": 55}
